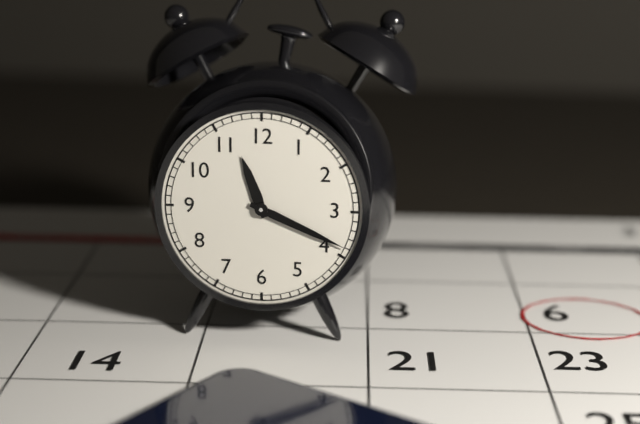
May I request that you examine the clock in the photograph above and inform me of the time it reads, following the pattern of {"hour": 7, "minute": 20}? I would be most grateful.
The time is {"hour": 11, "minute": 19}
